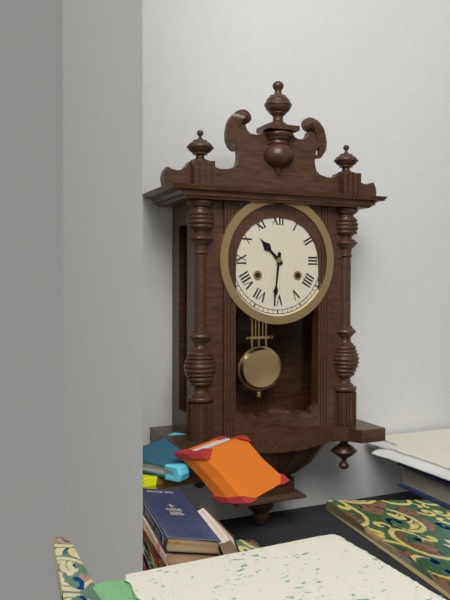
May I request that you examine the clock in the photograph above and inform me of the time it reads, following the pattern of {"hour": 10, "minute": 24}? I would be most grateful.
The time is {"hour": 10, "minute": 31}
